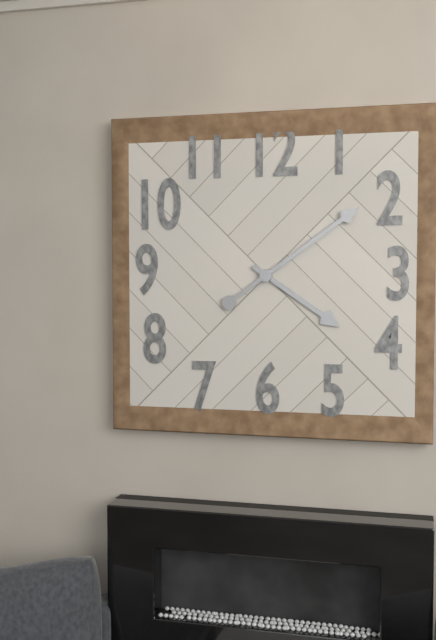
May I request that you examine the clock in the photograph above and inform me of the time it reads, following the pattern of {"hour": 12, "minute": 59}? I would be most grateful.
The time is {"hour": 4, "minute": 9}
